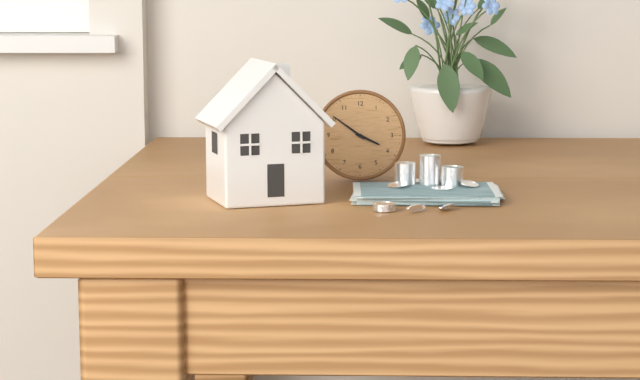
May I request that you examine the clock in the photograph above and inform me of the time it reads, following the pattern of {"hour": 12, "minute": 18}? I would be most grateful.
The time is {"hour": 3, "minute": 51}
